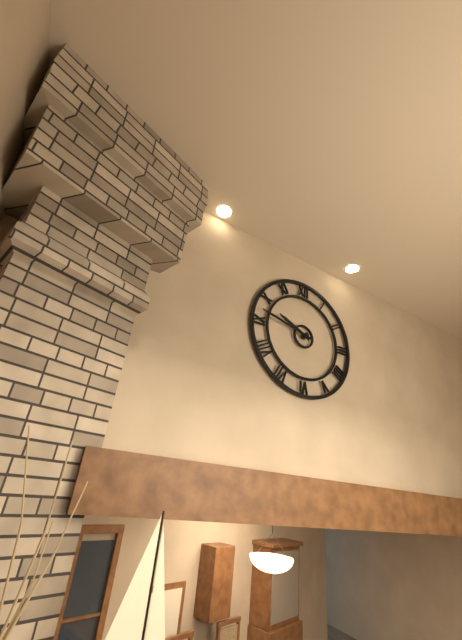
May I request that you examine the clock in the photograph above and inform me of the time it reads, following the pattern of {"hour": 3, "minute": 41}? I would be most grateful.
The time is {"hour": 9, "minute": 47}
